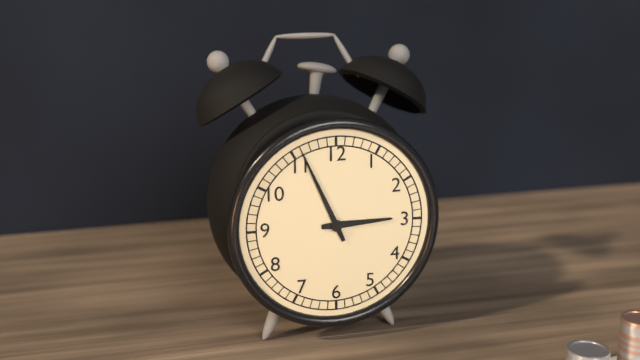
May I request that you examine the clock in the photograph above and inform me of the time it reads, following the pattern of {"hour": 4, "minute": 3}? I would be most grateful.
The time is {"hour": 2, "minute": 56}
